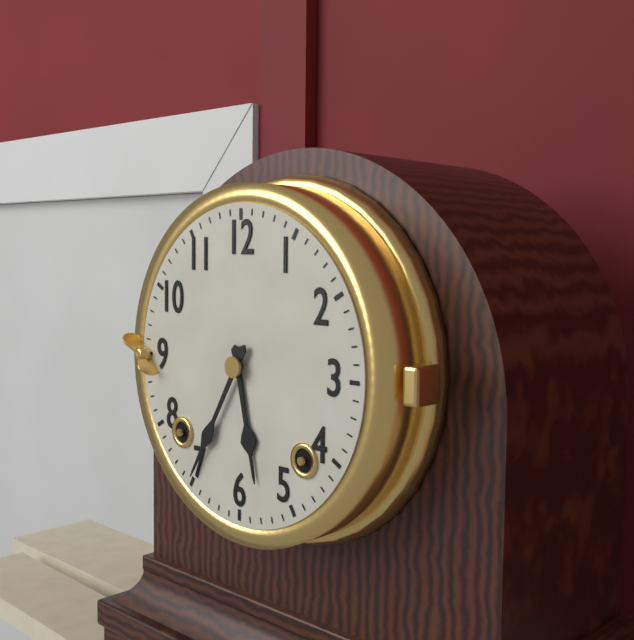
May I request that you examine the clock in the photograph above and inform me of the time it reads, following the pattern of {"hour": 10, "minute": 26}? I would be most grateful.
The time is {"hour": 5, "minute": 35}
